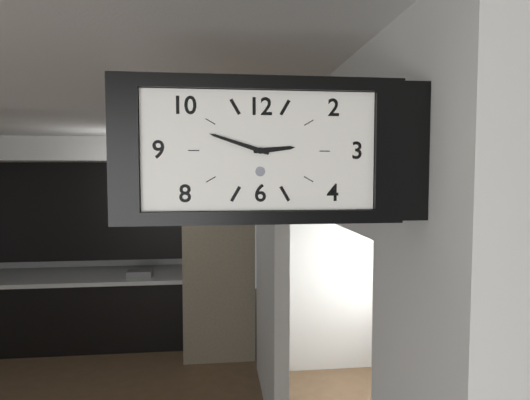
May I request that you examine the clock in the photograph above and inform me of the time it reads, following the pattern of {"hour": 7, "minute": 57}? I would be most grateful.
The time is {"hour": 2, "minute": 48}
